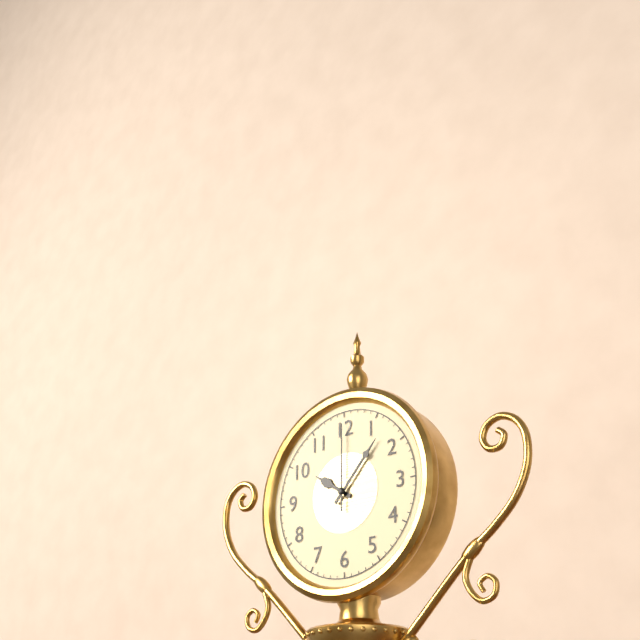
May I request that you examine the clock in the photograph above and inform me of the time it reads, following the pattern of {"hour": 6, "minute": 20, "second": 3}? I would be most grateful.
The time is {"hour": 10, "minute": 7, "second": 0}
